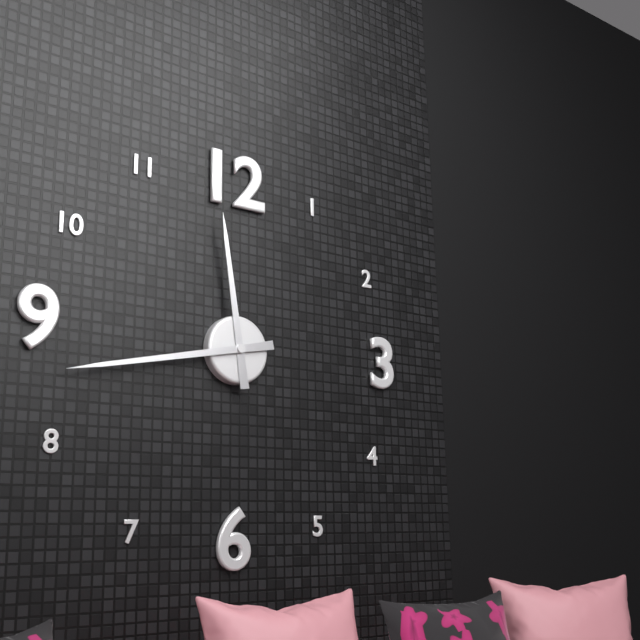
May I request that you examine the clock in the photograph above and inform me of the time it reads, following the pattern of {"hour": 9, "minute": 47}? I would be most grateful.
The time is {"hour": 11, "minute": 43}
